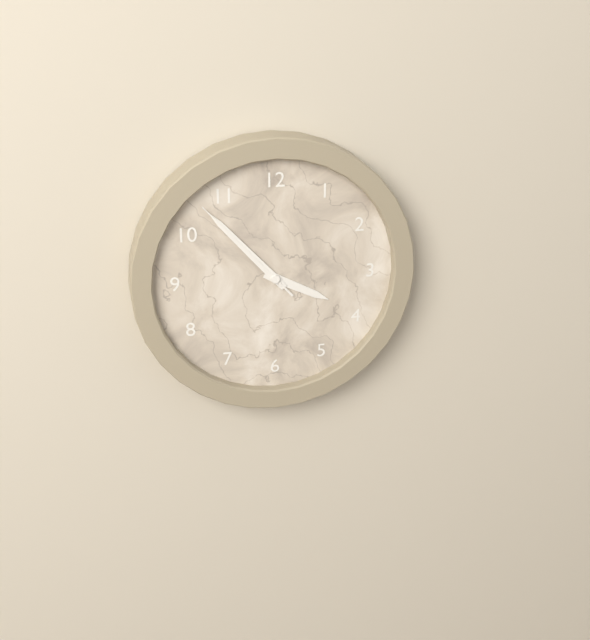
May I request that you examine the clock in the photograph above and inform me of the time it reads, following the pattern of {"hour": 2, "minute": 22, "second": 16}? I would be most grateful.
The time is {"hour": 3, "minute": 53, "second": 53}
